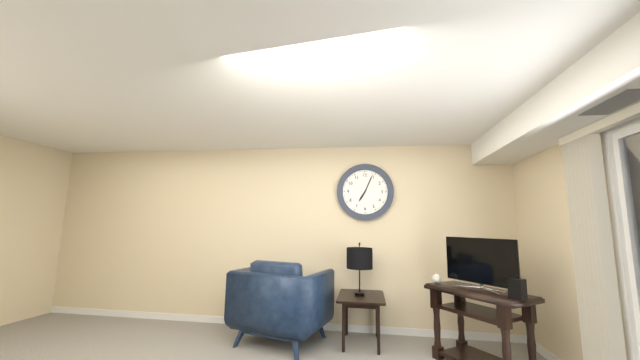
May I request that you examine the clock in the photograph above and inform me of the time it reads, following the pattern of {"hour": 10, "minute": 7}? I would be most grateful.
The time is {"hour": 7, "minute": 4}
